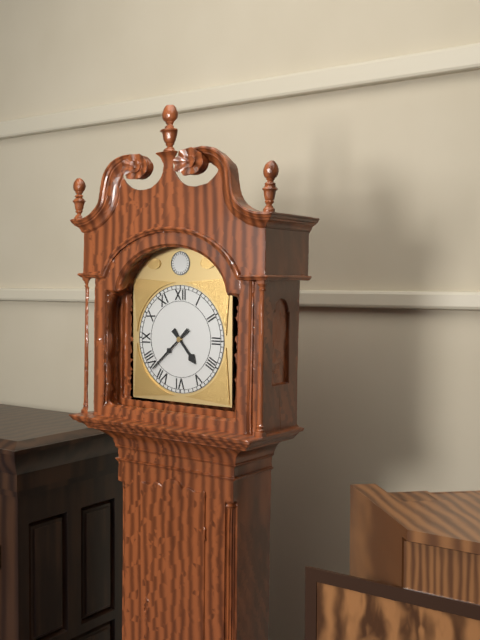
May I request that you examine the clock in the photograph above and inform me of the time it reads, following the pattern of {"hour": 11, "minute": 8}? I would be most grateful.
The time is {"hour": 4, "minute": 38}
